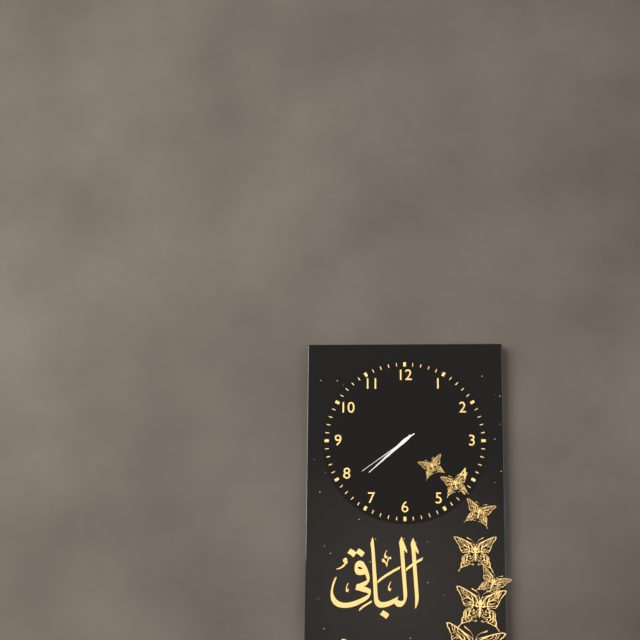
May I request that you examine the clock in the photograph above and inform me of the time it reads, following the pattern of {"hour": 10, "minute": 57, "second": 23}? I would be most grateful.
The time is {"hour": 7, "minute": 38, "second": 39}
